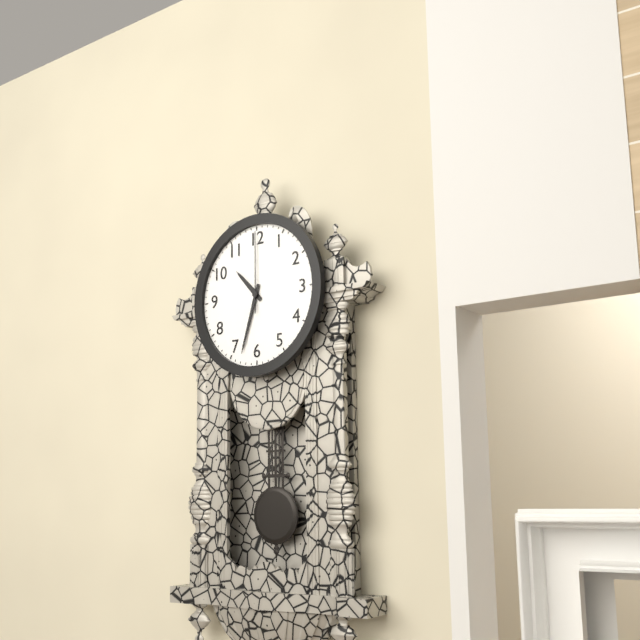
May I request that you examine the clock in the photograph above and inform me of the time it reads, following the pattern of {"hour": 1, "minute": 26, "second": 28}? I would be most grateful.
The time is {"hour": 10, "minute": 33, "second": 0}
